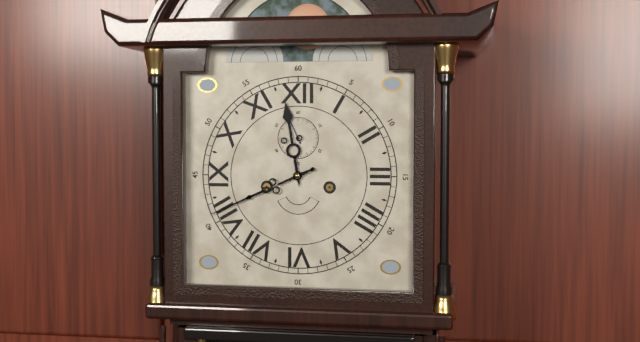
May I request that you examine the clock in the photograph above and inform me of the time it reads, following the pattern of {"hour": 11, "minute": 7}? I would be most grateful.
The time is {"hour": 11, "minute": 41}
